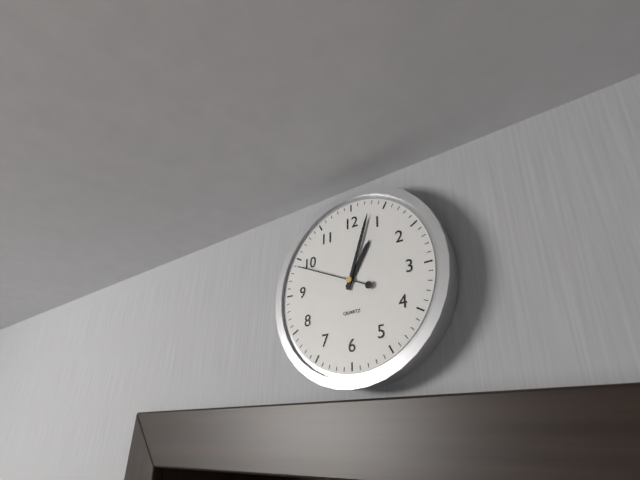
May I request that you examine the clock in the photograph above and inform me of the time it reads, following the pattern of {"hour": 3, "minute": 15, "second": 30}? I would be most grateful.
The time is {"hour": 1, "minute": 3, "second": 49}
